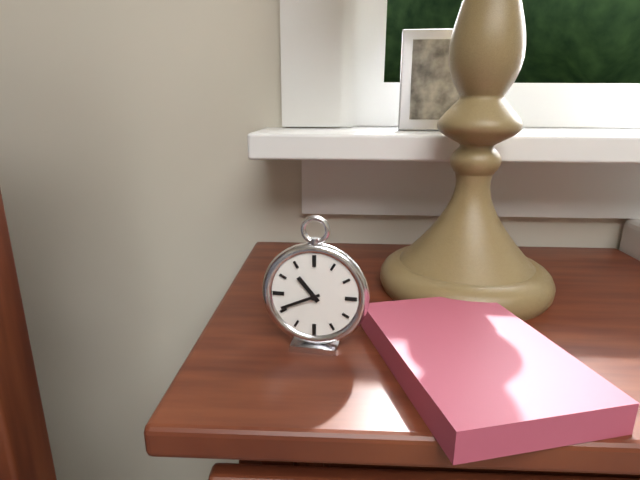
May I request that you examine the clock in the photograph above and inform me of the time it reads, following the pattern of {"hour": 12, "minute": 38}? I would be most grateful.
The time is {"hour": 10, "minute": 41}
